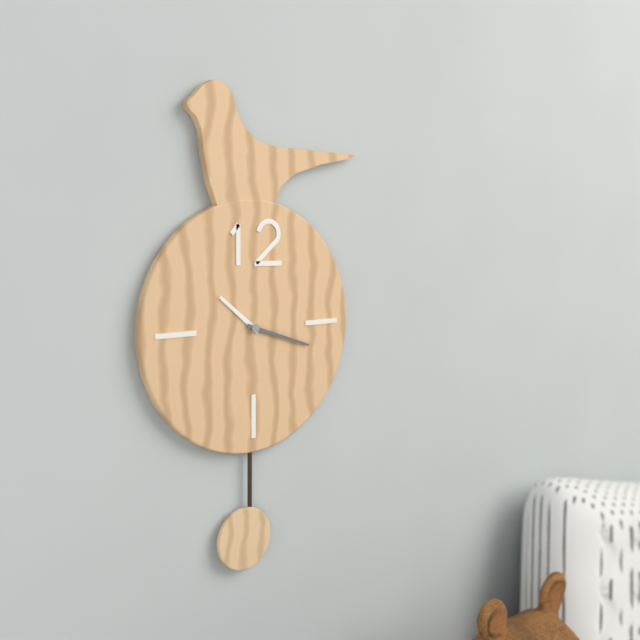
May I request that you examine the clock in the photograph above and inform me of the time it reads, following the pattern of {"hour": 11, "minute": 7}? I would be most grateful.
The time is {"hour": 10, "minute": 18}
